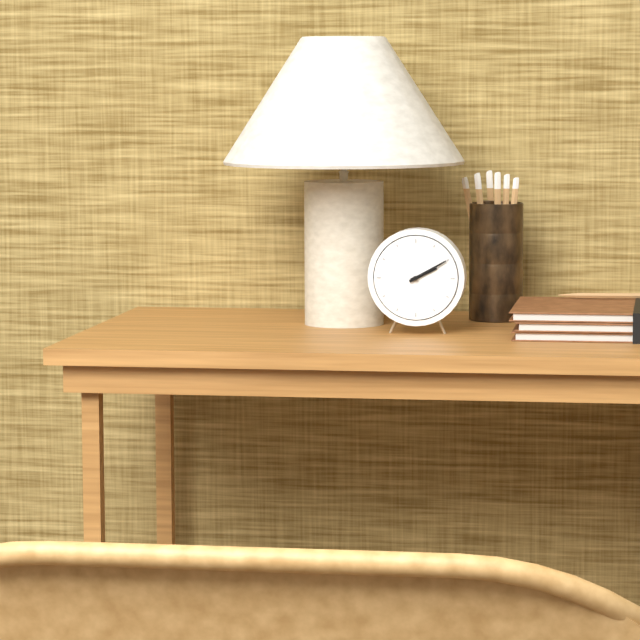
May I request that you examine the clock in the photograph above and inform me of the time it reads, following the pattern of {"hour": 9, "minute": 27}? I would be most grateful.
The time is {"hour": 2, "minute": 10}
